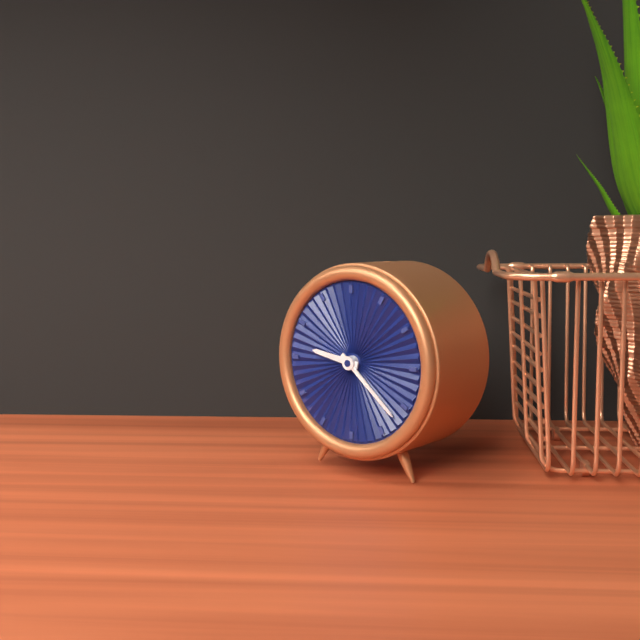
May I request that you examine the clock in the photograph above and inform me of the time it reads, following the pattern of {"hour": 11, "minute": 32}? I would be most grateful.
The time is {"hour": 9, "minute": 22}
